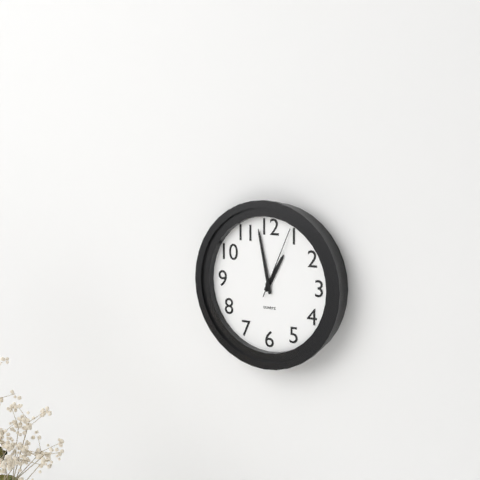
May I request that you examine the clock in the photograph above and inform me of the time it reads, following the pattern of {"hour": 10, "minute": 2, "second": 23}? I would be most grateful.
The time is {"hour": 12, "minute": 58, "second": 4}
